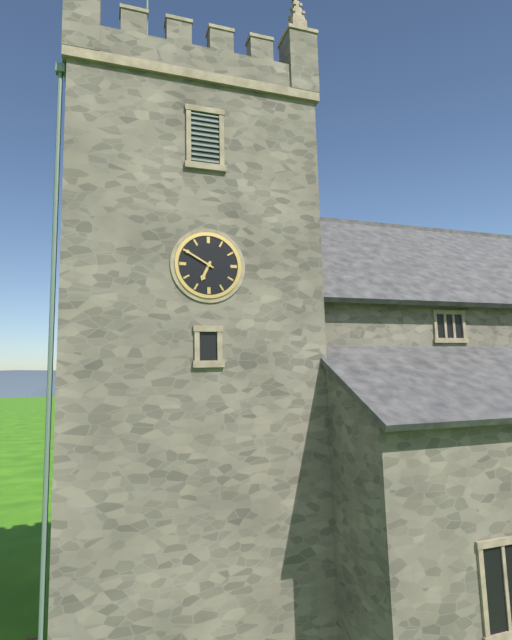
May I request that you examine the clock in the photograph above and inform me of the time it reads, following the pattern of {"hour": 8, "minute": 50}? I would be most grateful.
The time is {"hour": 6, "minute": 50}
